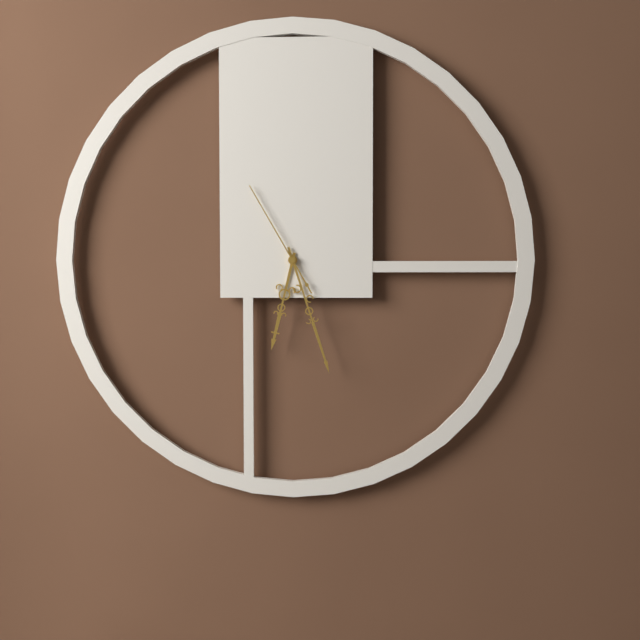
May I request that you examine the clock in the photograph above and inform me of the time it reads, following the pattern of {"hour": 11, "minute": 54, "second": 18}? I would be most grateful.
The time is {"hour": 6, "minute": 27, "second": 55}
